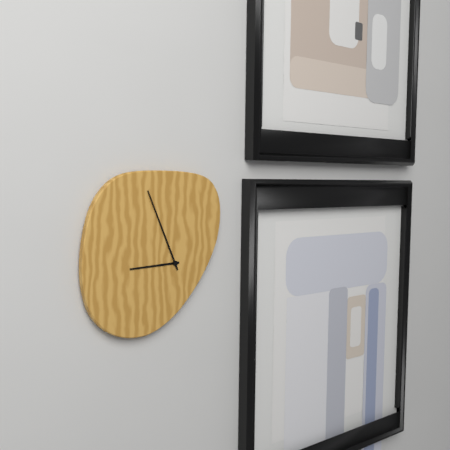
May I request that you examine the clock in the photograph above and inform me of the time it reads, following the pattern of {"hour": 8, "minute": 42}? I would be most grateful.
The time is {"hour": 8, "minute": 56}
